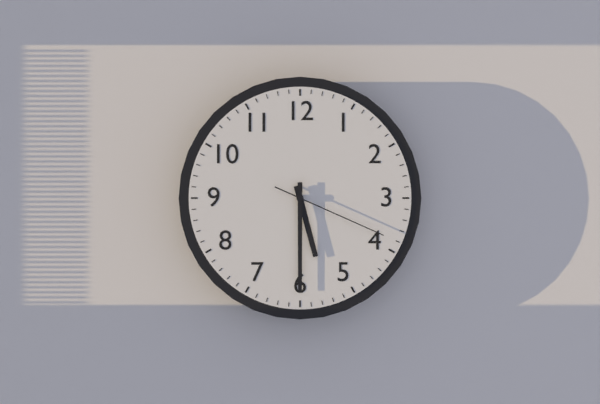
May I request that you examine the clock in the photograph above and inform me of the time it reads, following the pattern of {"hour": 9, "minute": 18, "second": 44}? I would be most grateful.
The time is {"hour": 5, "minute": 30, "second": 19}
